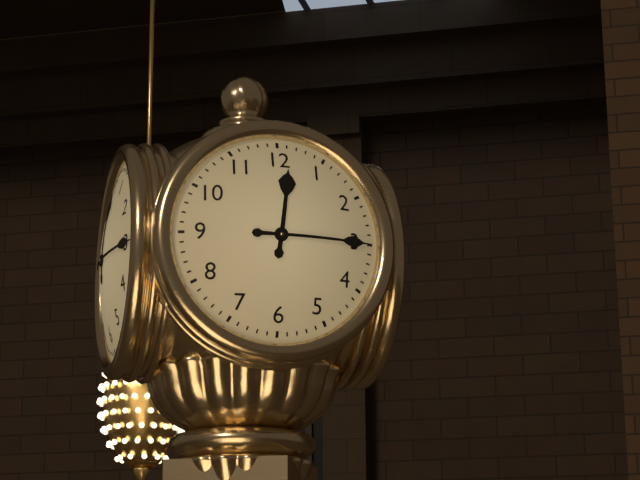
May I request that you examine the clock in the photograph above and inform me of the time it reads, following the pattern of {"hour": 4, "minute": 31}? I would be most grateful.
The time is {"hour": 12, "minute": 15}
